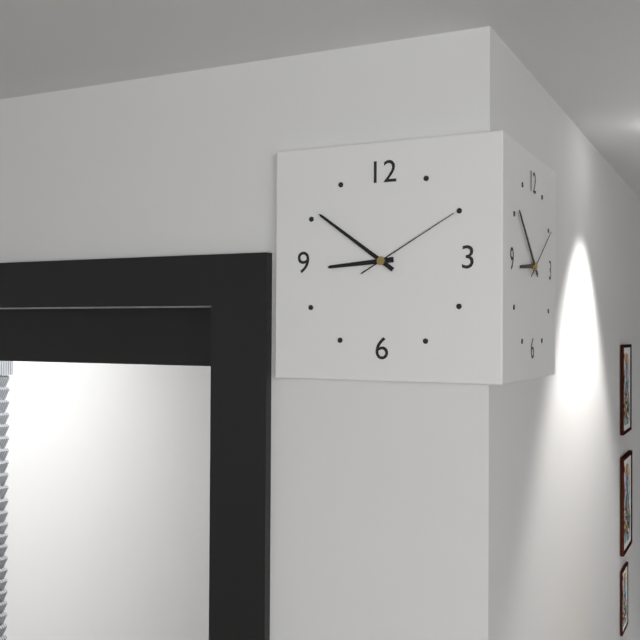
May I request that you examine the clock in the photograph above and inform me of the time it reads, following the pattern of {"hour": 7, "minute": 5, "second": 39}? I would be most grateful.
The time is {"hour": 8, "minute": 51, "second": 10}
